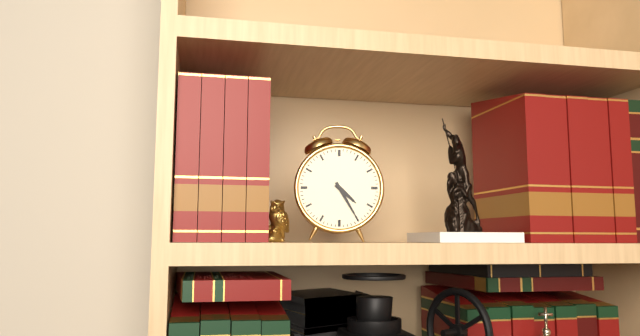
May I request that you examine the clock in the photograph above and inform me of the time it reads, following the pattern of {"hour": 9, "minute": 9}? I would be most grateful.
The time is {"hour": 4, "minute": 25}
